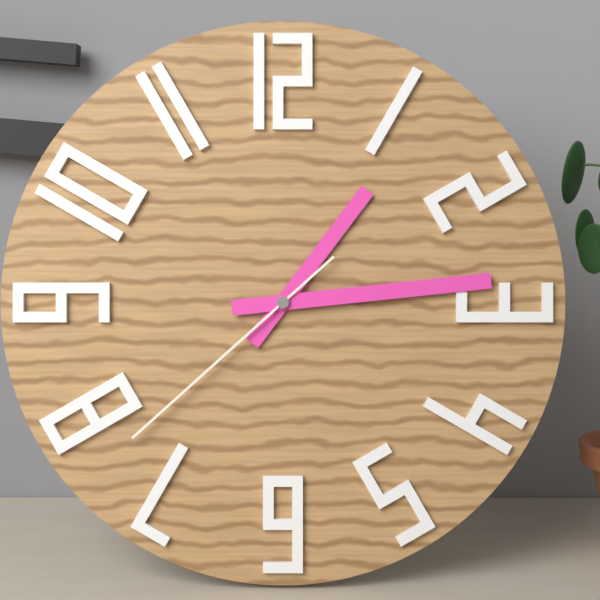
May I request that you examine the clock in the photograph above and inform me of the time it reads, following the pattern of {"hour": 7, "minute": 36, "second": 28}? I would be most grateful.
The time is {"hour": 1, "minute": 14, "second": 38}
